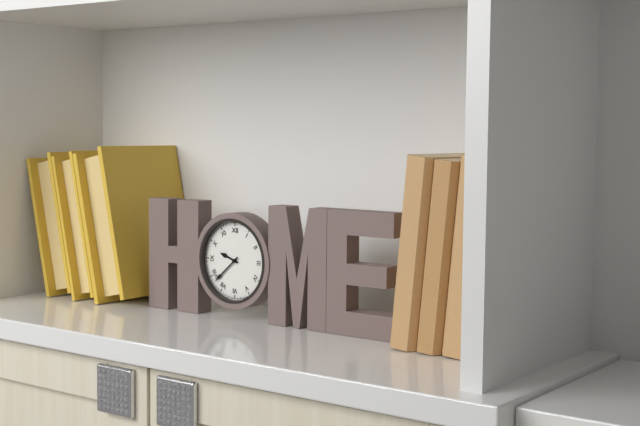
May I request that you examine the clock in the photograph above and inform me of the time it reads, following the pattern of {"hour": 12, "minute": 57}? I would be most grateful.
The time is {"hour": 9, "minute": 38}
